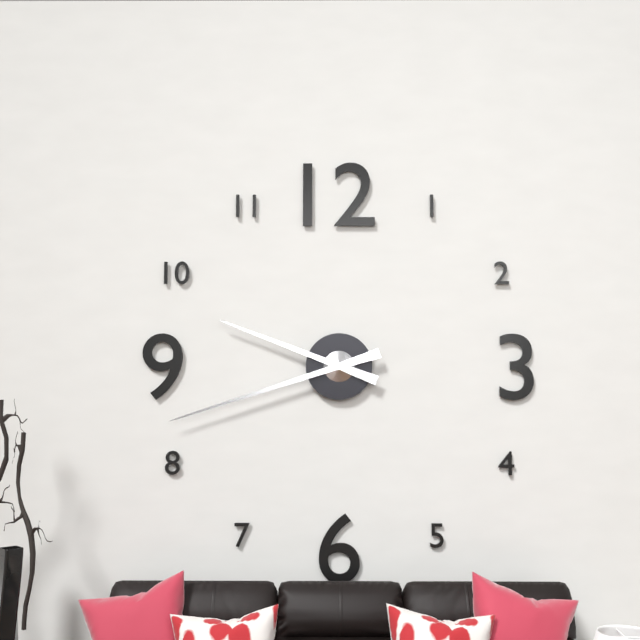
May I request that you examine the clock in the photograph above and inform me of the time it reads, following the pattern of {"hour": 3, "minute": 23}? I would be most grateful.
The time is {"hour": 9, "minute": 42}
